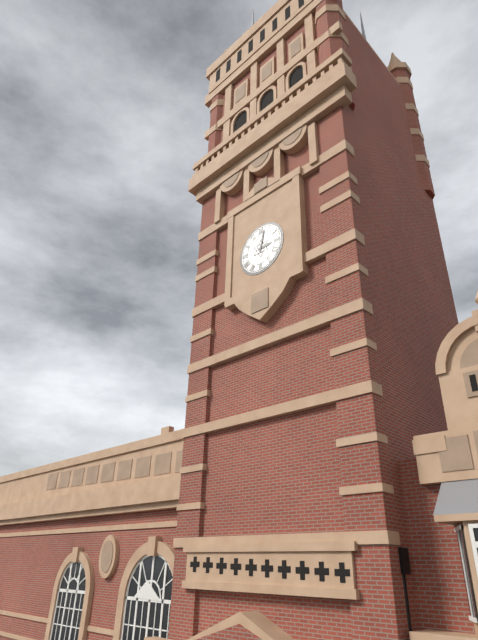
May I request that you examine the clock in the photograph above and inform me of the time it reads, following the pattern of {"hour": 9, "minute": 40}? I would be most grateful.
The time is {"hour": 3, "minute": 2}
